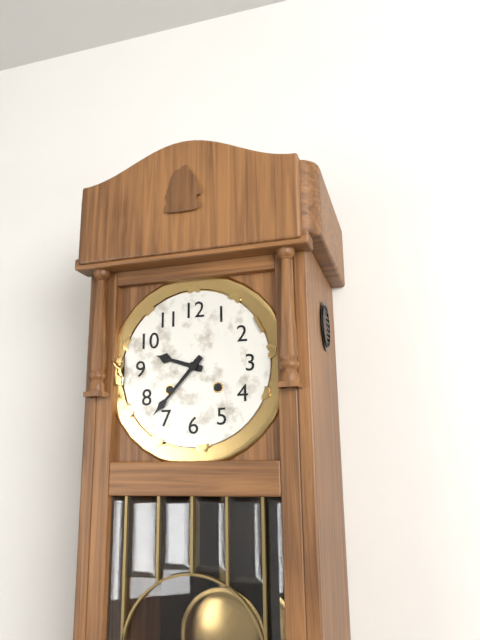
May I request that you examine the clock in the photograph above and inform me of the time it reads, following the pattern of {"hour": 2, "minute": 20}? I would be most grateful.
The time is {"hour": 9, "minute": 37}
